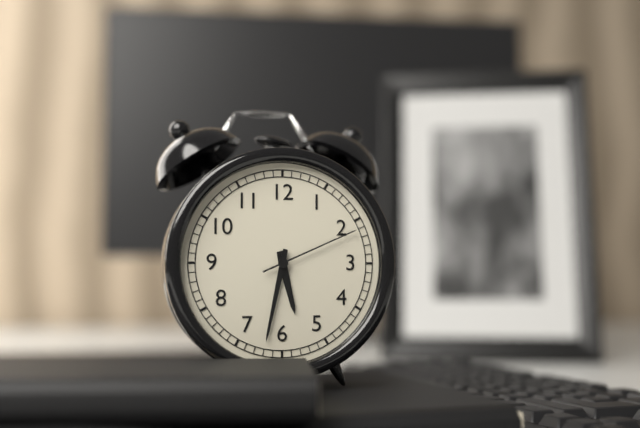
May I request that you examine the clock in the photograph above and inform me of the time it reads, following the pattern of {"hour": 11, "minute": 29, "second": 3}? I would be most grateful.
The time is {"hour": 5, "minute": 32, "second": 11}
